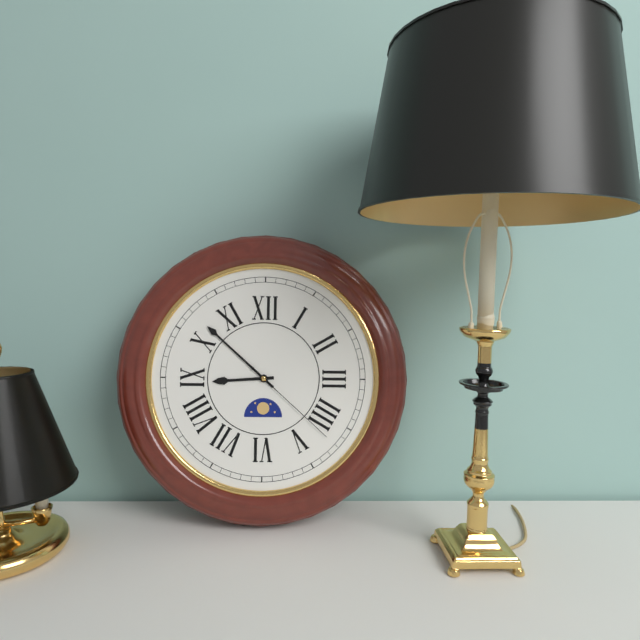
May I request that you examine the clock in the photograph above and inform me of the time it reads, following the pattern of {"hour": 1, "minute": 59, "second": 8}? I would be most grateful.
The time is {"hour": 8, "minute": 52, "second": 22}
